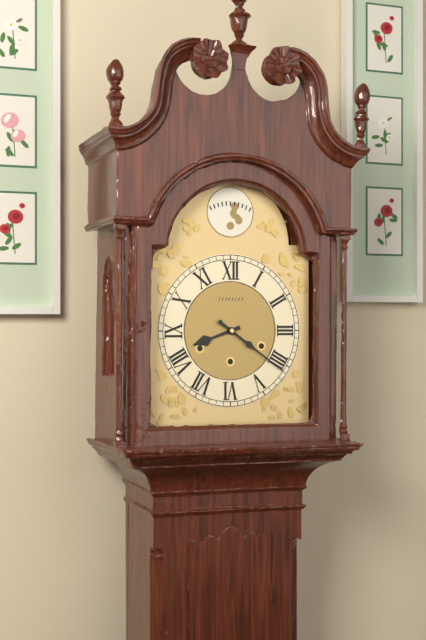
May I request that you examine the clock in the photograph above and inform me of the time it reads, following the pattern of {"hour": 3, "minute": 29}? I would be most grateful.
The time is {"hour": 8, "minute": 21}
